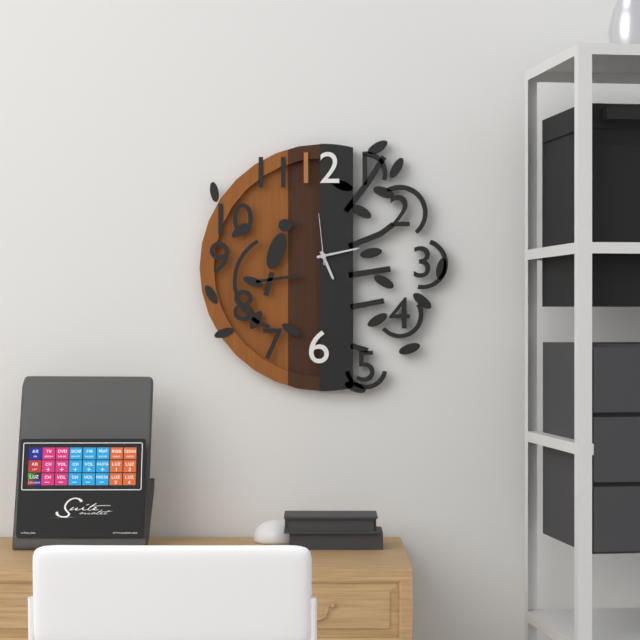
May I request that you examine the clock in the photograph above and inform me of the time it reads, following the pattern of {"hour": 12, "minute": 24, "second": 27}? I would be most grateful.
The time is {"hour": 5, "minute": 13, "second": 59}
